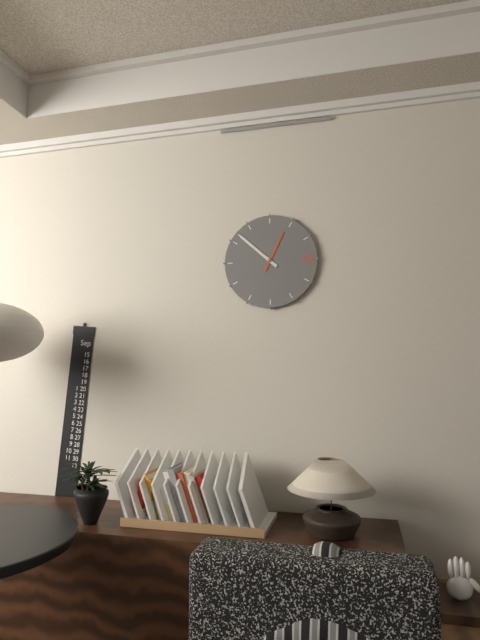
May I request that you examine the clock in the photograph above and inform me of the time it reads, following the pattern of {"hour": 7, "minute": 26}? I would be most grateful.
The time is {"hour": 12, "minute": 52}
